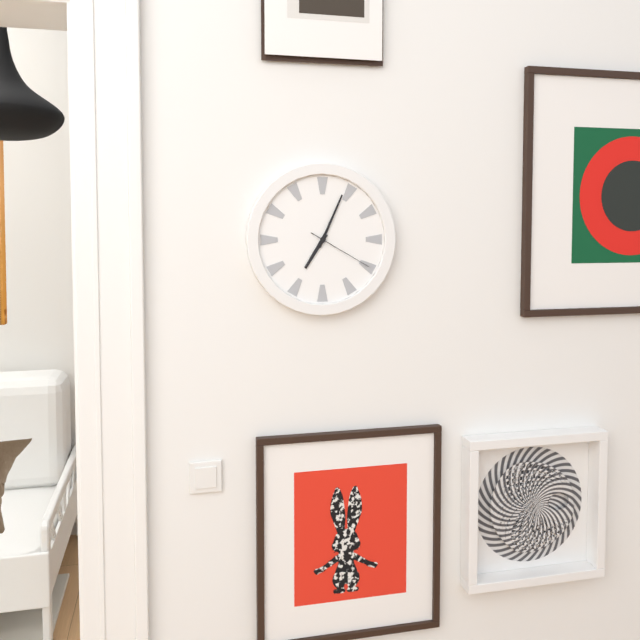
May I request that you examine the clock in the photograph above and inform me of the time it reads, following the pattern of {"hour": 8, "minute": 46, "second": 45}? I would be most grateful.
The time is {"hour": 7, "minute": 4, "second": 20}
